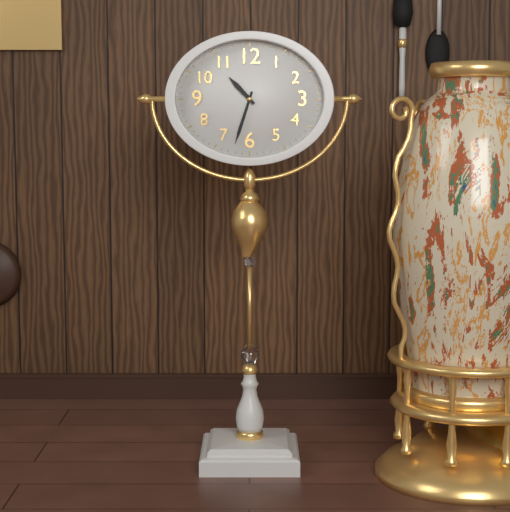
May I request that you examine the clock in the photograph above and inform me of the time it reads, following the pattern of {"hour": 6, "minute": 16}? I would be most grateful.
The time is {"hour": 10, "minute": 33}
